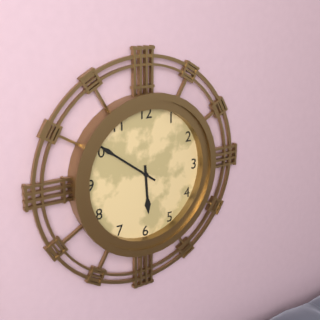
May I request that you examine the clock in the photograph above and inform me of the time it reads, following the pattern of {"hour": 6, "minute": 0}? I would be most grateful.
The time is {"hour": 5, "minute": 51}
